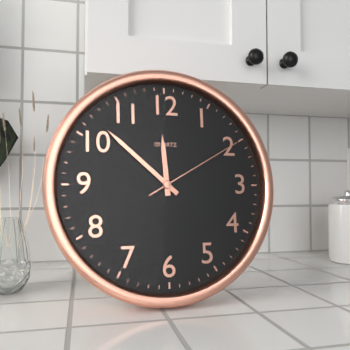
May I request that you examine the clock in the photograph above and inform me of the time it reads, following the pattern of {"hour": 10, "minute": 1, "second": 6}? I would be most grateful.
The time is {"hour": 11, "minute": 52, "second": 10}
